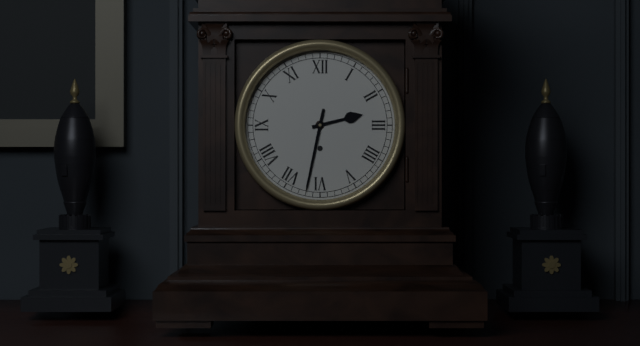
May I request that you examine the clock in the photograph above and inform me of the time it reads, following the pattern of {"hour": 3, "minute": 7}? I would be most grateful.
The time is {"hour": 2, "minute": 32}
